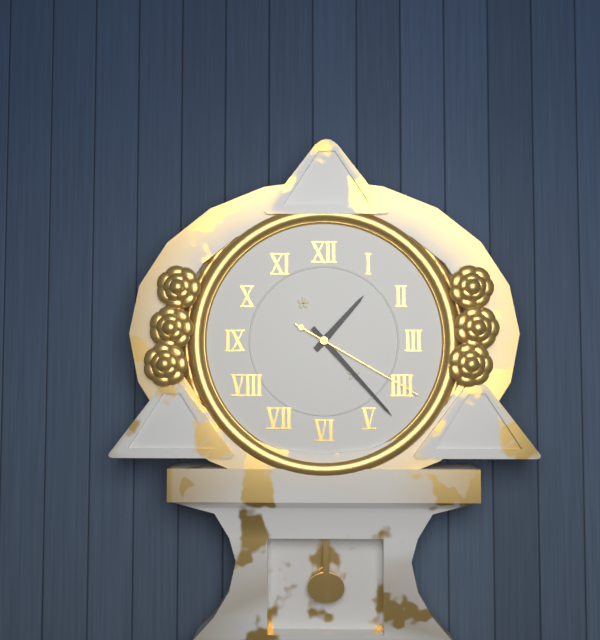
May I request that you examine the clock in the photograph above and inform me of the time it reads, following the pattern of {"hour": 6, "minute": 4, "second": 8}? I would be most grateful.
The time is {"hour": 1, "minute": 23, "second": 20}
